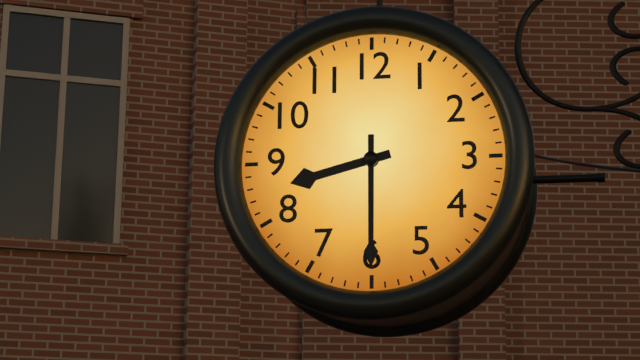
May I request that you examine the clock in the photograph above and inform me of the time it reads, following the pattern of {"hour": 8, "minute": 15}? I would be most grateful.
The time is {"hour": 8, "minute": 30}
